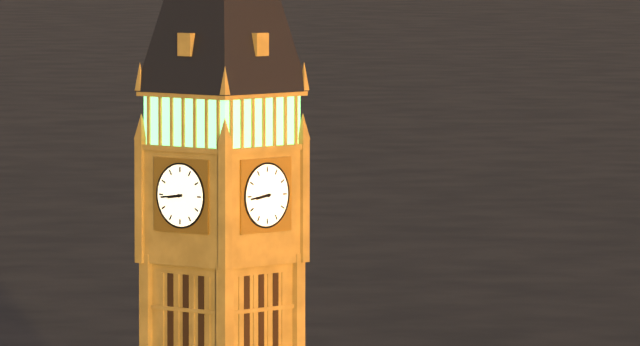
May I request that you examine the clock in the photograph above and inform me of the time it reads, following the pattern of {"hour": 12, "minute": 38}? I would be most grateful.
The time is {"hour": 8, "minute": 44}
